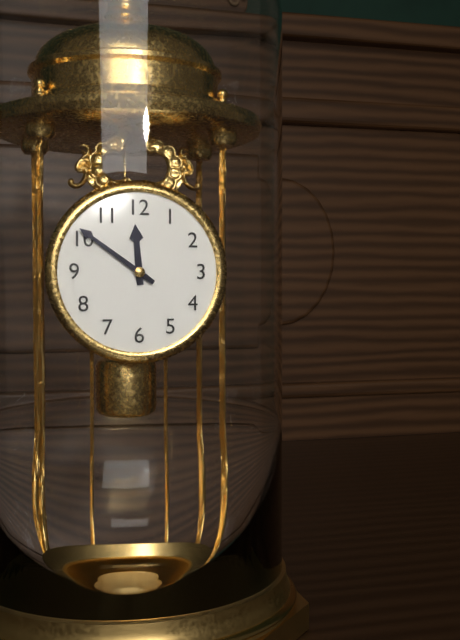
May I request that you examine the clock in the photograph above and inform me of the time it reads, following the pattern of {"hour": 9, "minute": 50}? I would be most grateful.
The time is {"hour": 11, "minute": 51}
